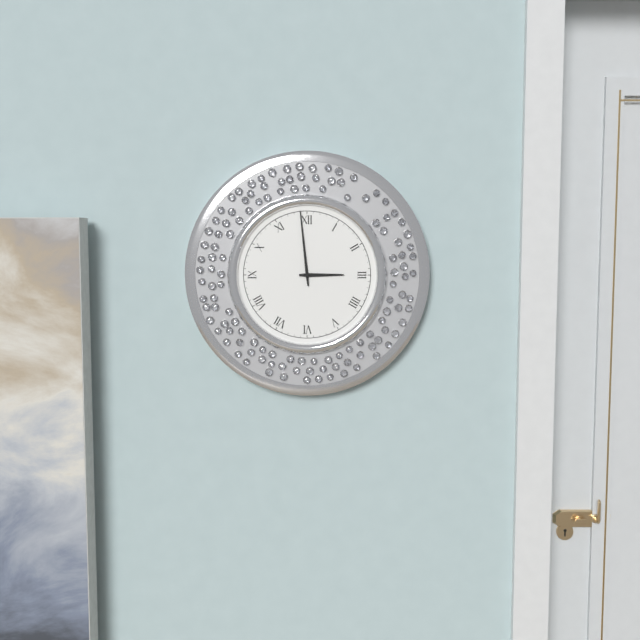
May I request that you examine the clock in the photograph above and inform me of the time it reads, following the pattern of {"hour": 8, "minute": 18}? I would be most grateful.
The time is {"hour": 2, "minute": 59}
